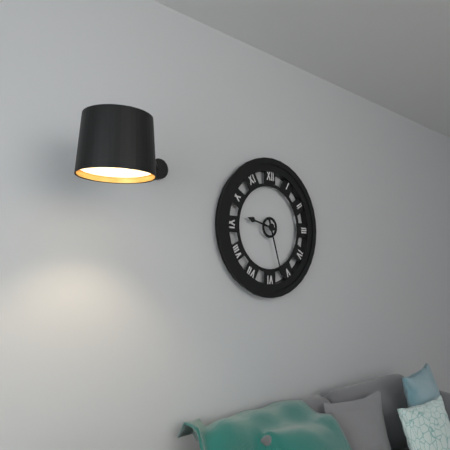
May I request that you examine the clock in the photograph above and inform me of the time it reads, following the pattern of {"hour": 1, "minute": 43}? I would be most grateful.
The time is {"hour": 9, "minute": 27}
